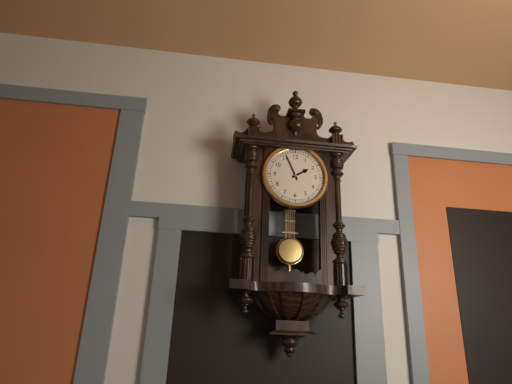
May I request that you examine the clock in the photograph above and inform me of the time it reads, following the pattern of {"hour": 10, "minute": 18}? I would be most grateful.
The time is {"hour": 1, "minute": 56}
